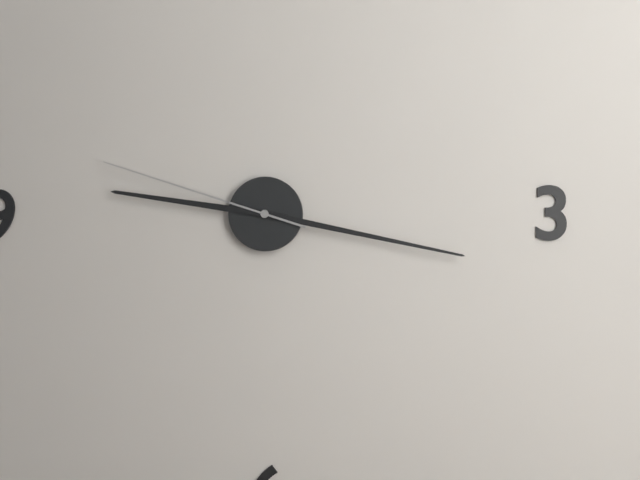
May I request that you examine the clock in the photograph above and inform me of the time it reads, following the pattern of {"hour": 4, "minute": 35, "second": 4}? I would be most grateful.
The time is {"hour": 9, "minute": 17, "second": 48}
